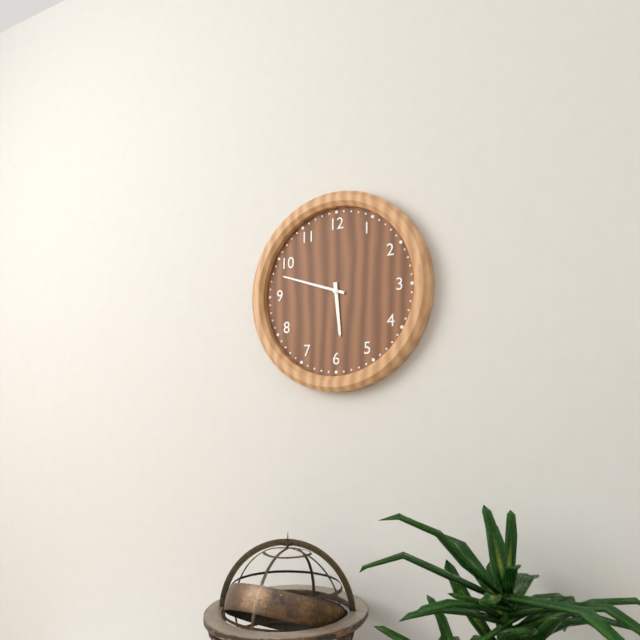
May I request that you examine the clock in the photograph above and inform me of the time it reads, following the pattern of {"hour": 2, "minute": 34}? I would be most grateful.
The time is {"hour": 5, "minute": 48}
